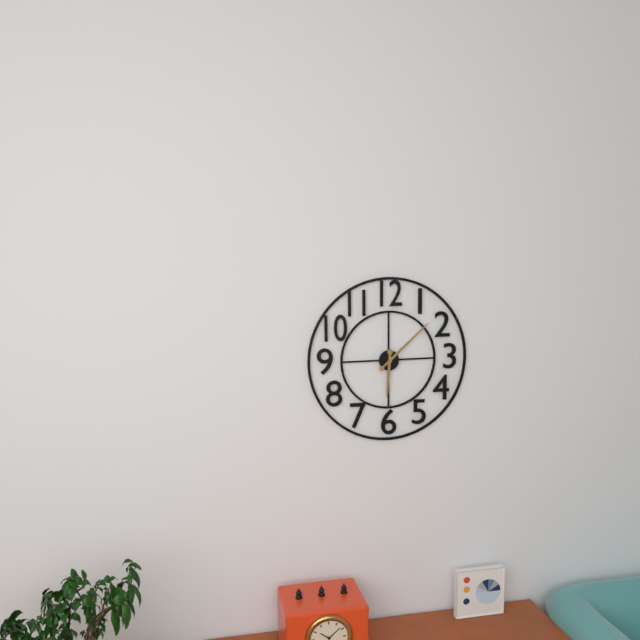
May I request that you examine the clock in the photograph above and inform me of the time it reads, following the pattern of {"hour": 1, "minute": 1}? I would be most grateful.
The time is {"hour": 6, "minute": 8}
